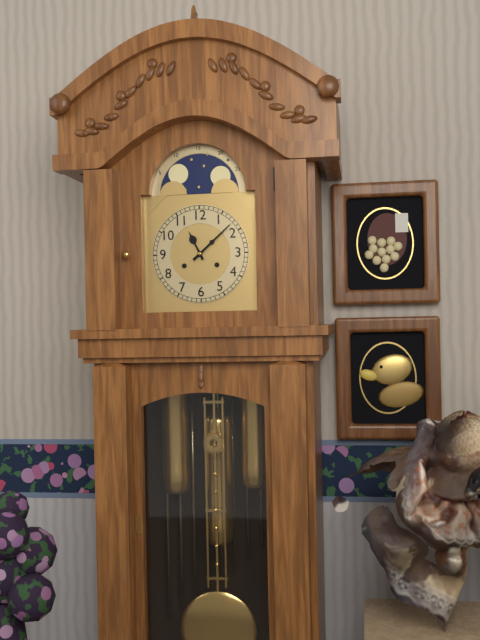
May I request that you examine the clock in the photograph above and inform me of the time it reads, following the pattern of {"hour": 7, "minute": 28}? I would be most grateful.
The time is {"hour": 11, "minute": 8}
